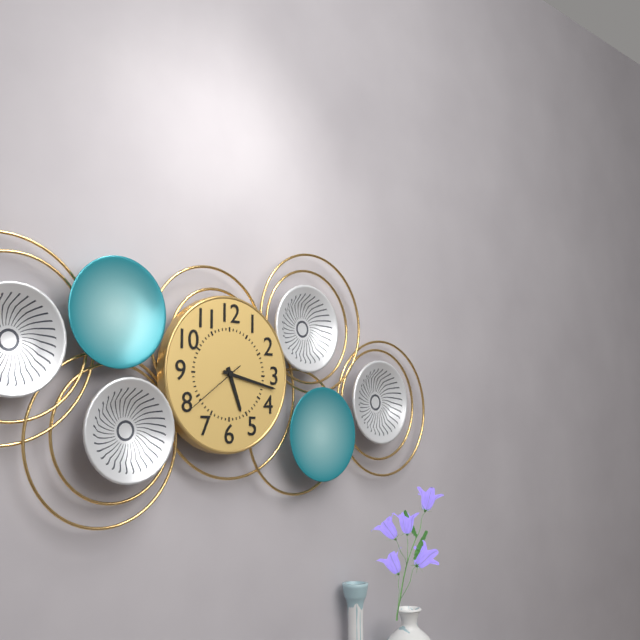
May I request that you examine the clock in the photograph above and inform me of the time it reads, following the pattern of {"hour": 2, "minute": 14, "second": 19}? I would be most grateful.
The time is {"hour": 5, "minute": 17, "second": 39}
